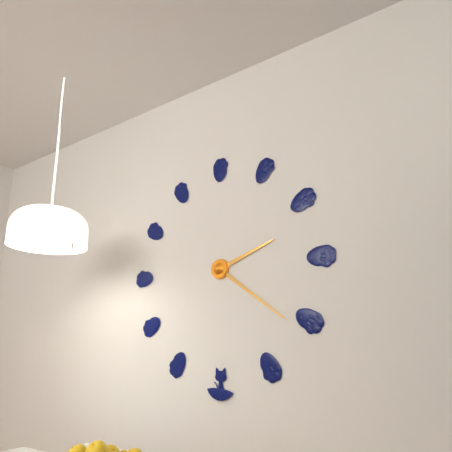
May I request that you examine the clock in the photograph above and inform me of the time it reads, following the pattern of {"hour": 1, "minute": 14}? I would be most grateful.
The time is {"hour": 2, "minute": 21}
